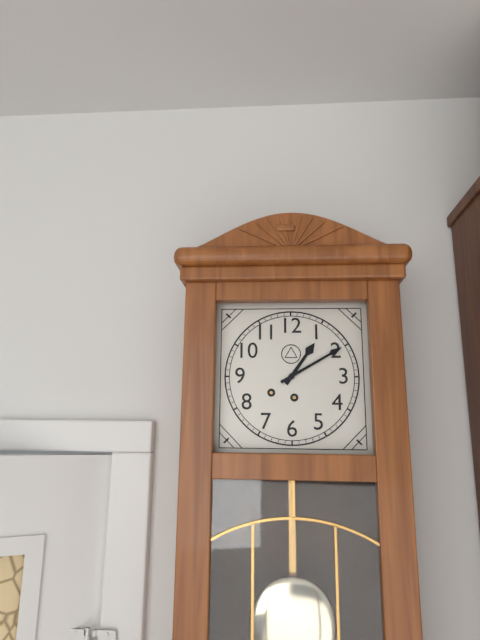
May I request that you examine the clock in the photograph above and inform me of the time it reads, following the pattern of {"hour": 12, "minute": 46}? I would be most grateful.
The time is {"hour": 1, "minute": 10}
